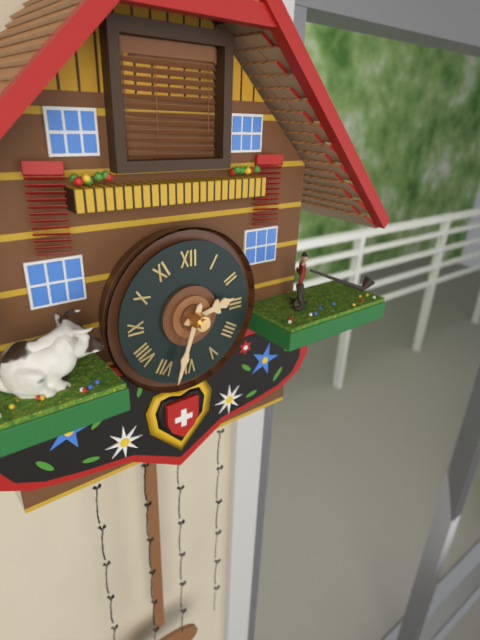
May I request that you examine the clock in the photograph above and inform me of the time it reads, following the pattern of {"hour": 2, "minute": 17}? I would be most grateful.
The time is {"hour": 2, "minute": 33}
